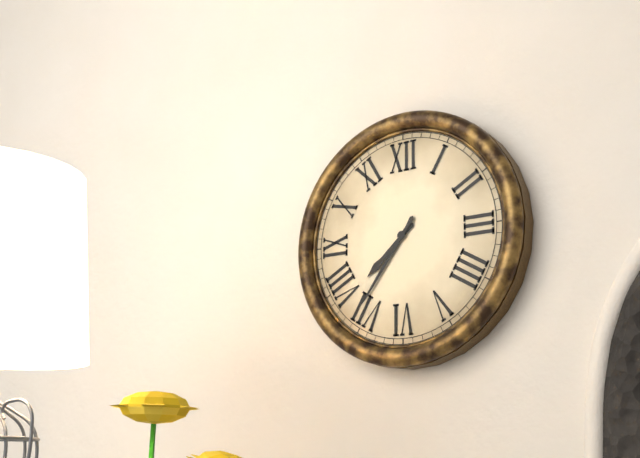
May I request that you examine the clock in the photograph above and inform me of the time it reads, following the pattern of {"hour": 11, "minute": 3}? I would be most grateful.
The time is {"hour": 7, "minute": 36}
